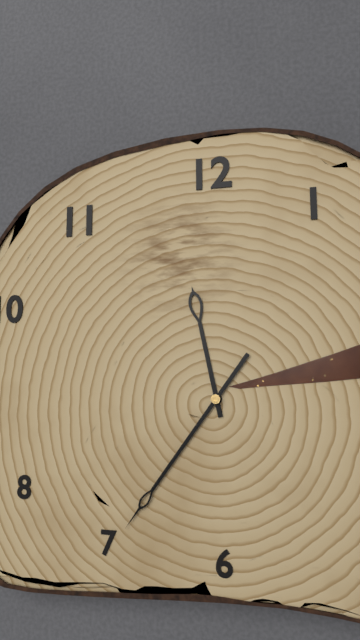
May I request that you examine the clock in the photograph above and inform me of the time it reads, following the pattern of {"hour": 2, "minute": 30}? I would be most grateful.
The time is {"hour": 11, "minute": 36}
